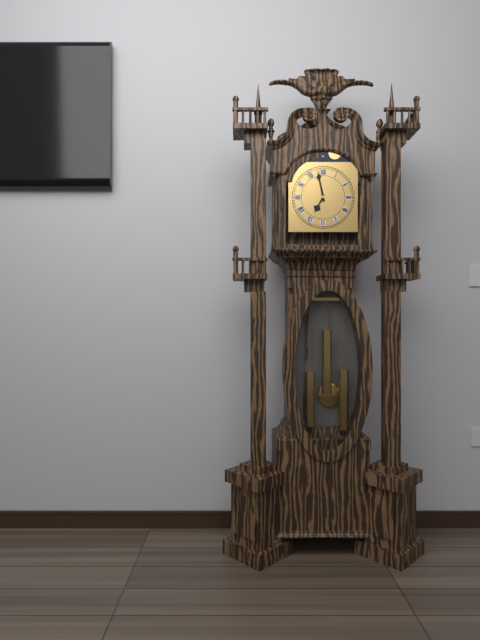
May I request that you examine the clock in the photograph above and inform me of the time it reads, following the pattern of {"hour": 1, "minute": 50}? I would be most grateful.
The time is {"hour": 6, "minute": 58}
